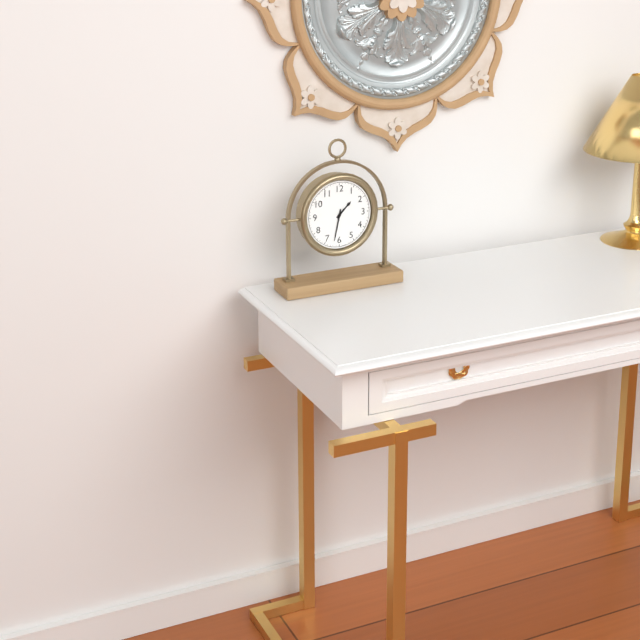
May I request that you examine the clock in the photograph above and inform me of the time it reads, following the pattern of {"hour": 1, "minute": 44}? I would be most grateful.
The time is {"hour": 1, "minute": 32}
